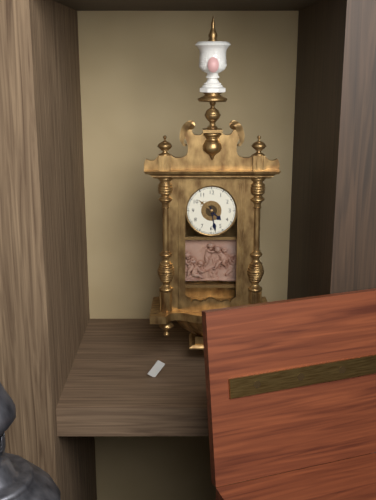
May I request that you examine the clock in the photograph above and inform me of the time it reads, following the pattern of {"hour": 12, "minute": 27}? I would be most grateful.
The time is {"hour": 4, "minute": 28}
